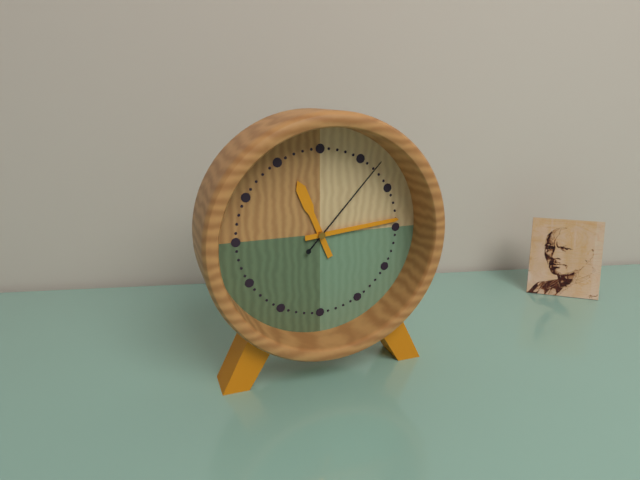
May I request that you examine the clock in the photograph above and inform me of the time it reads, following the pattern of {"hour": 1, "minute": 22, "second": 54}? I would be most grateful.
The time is {"hour": 11, "minute": 14, "second": 7}
